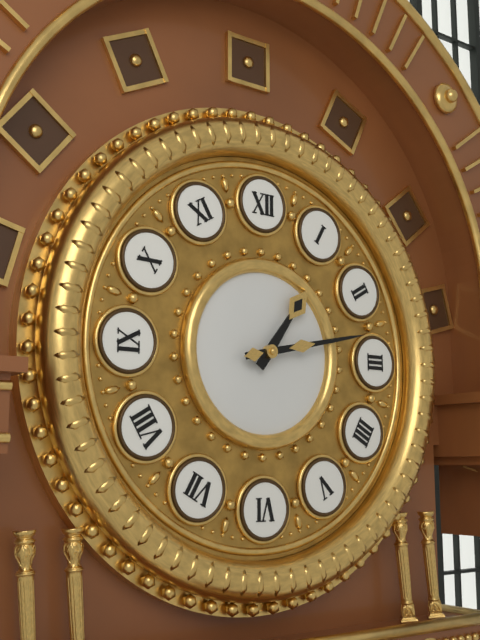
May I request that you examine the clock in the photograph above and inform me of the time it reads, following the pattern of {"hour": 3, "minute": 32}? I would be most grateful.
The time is {"hour": 1, "minute": 13}
